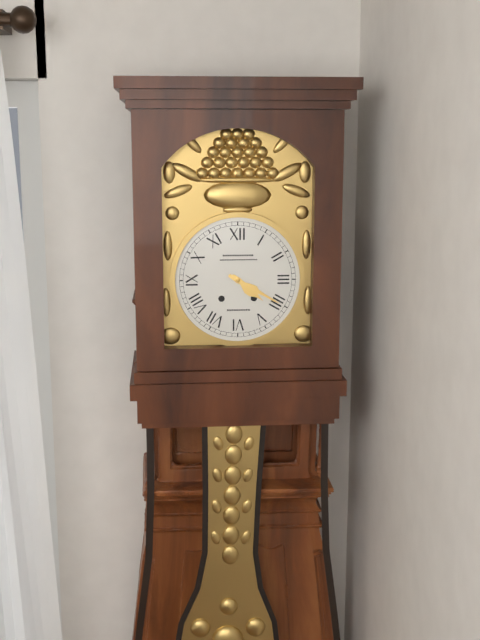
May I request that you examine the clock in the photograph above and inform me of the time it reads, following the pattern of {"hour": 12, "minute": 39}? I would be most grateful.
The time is {"hour": 4, "minute": 20}
